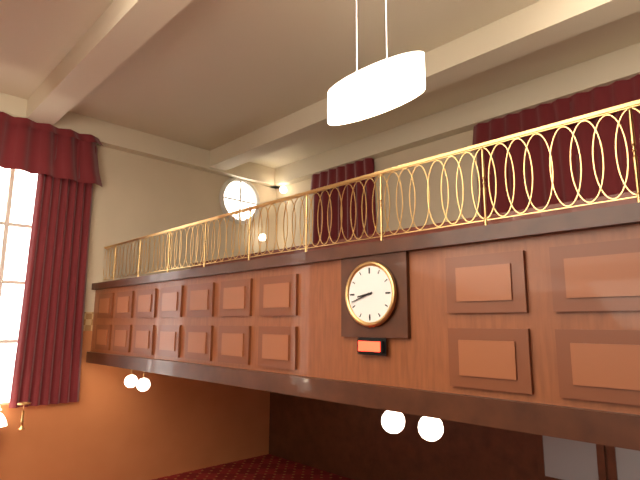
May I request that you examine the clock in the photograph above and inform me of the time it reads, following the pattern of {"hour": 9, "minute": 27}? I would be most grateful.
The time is {"hour": 8, "minute": 42}
